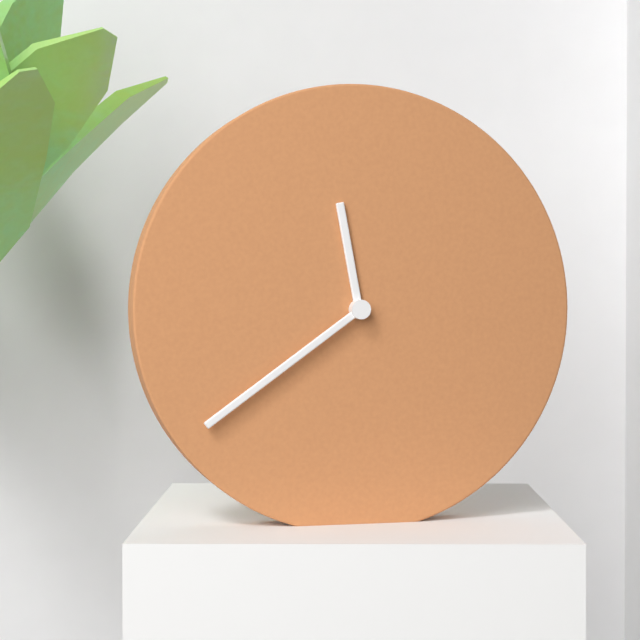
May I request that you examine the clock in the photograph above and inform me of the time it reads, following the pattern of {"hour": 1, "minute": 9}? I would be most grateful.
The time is {"hour": 11, "minute": 39}
